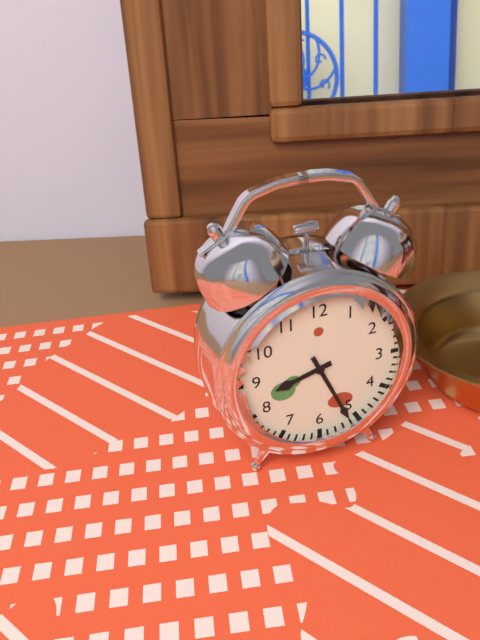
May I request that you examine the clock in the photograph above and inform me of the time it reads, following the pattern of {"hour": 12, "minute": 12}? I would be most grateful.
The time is {"hour": 8, "minute": 26}
